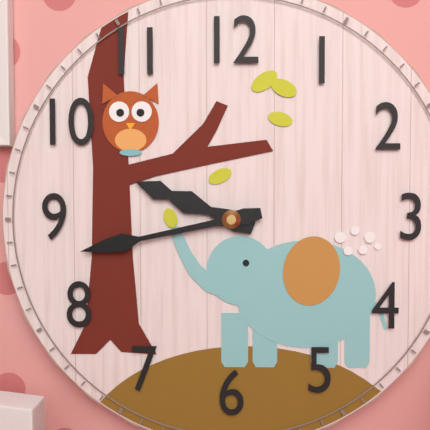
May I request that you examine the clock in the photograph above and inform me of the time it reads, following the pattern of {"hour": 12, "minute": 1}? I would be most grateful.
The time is {"hour": 9, "minute": 43}
